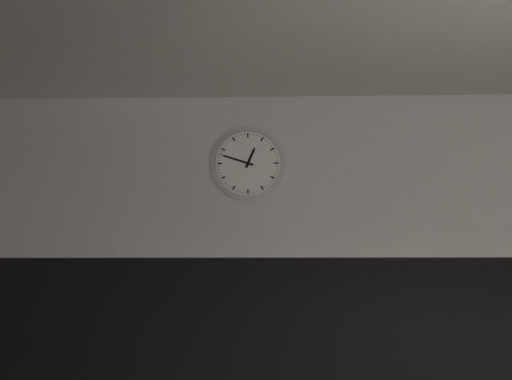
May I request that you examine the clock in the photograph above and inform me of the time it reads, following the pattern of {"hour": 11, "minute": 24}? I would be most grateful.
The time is {"hour": 12, "minute": 48}
